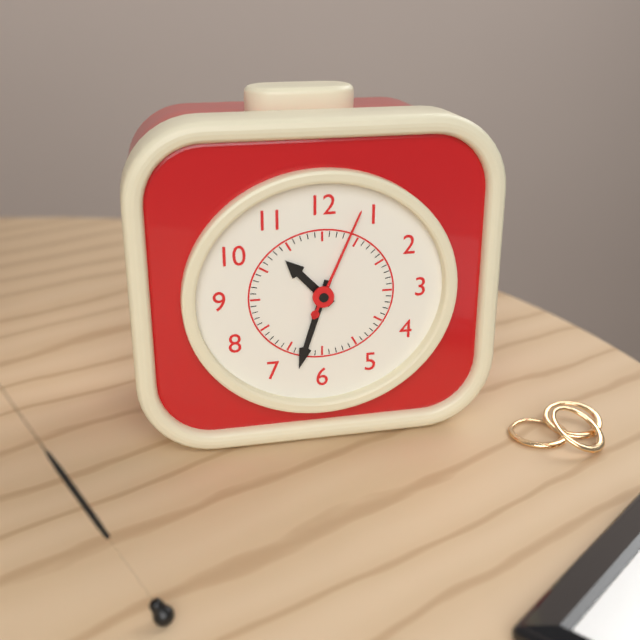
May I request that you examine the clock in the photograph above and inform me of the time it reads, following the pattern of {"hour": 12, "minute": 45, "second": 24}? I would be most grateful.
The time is {"hour": 10, "minute": 33, "second": 4}
